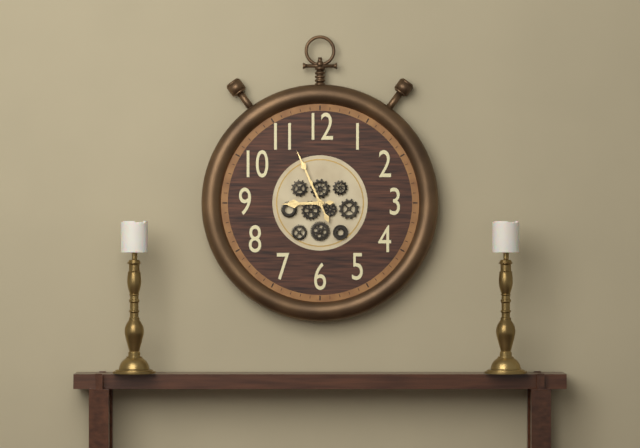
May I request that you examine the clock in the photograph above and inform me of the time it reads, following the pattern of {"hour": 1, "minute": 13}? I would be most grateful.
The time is {"hour": 8, "minute": 56}
